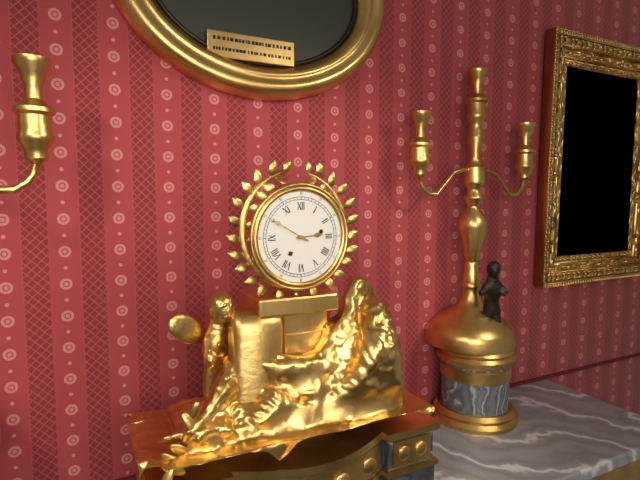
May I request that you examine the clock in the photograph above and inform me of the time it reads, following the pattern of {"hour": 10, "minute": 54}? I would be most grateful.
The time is {"hour": 2, "minute": 50}
